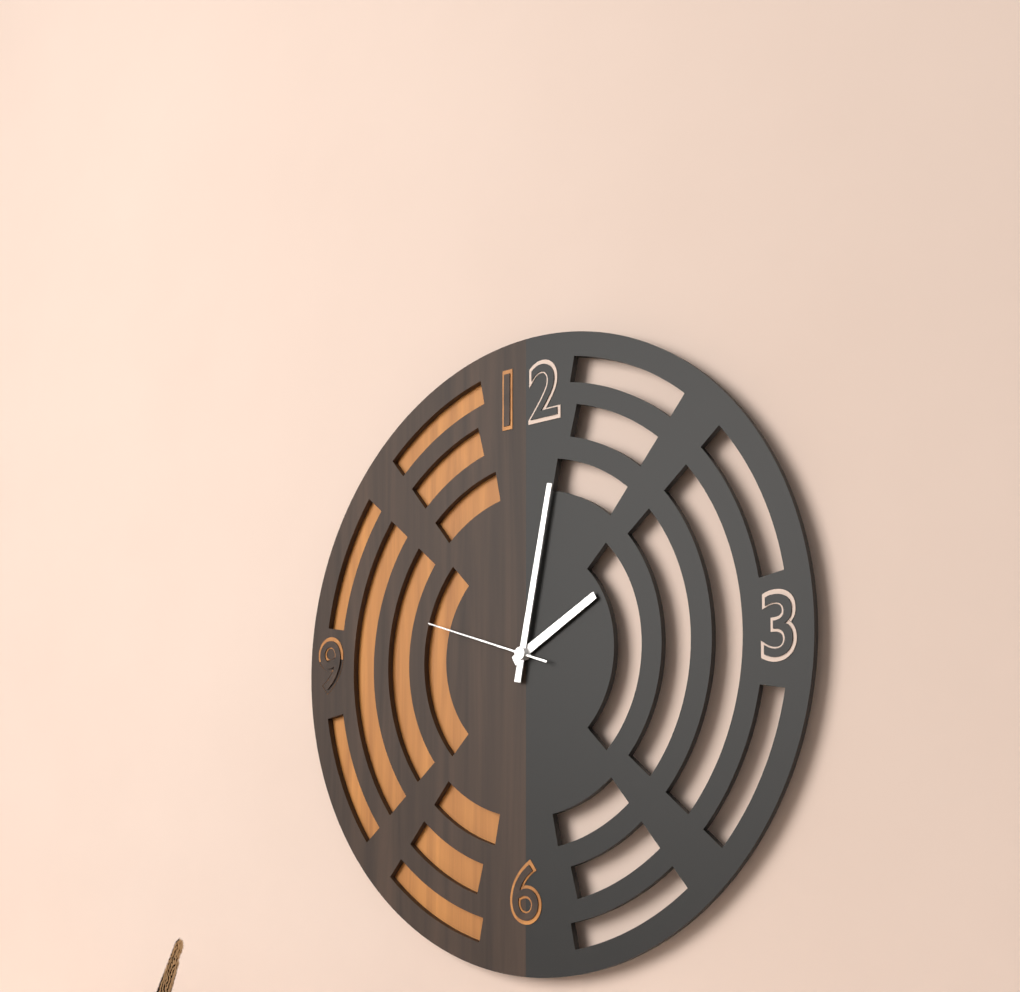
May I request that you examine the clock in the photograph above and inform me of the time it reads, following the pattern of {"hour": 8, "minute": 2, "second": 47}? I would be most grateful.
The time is {"hour": 2, "minute": 2, "second": 48}
